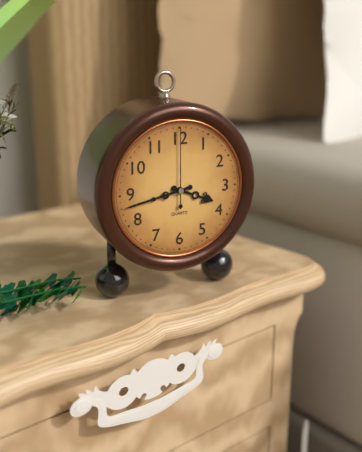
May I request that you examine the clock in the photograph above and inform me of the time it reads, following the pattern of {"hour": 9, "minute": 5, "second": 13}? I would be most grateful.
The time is {"hour": 3, "minute": 43, "second": 0}
